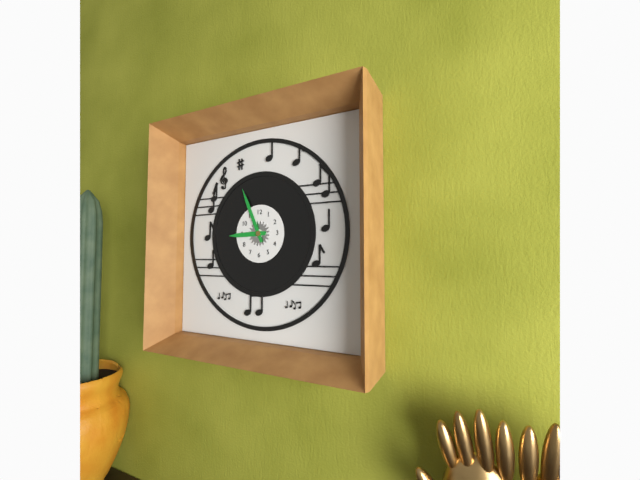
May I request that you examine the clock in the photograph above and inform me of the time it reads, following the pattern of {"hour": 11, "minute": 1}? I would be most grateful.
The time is {"hour": 8, "minute": 56}
